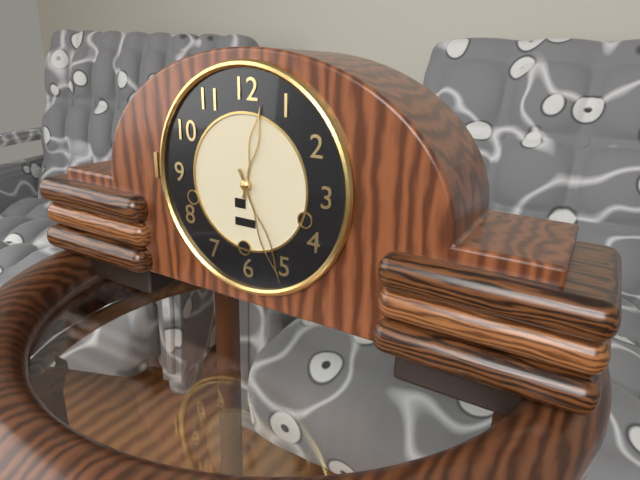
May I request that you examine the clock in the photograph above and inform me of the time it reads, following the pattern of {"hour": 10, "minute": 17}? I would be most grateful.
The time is {"hour": 12, "minute": 26}
